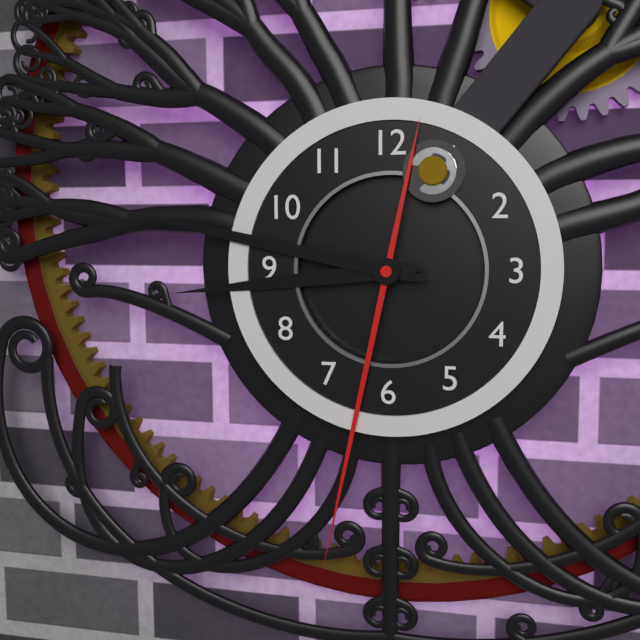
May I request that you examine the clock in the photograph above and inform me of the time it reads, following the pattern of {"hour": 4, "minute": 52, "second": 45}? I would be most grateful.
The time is {"hour": 8, "minute": 47, "second": 32}
